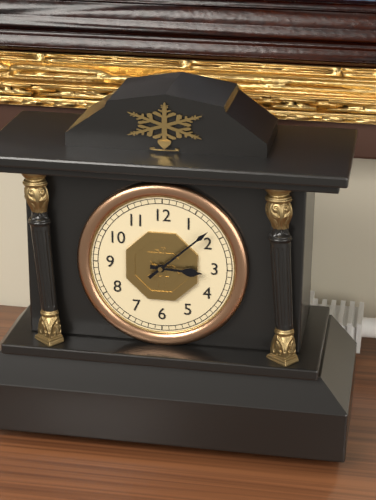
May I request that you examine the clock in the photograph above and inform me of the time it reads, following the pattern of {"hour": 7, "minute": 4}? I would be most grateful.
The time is {"hour": 3, "minute": 8}
